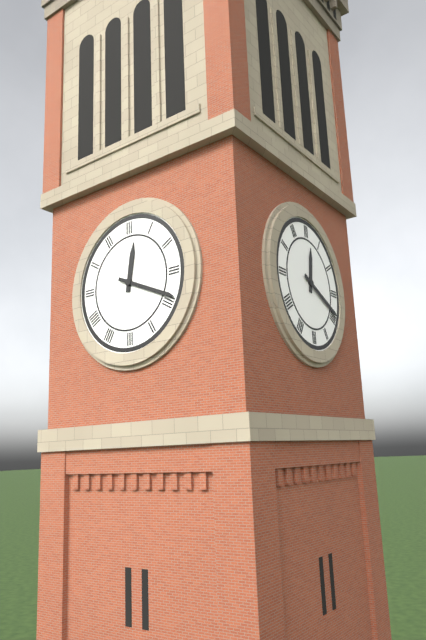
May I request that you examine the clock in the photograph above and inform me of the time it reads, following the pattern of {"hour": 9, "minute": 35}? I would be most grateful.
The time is {"hour": 12, "minute": 19}
